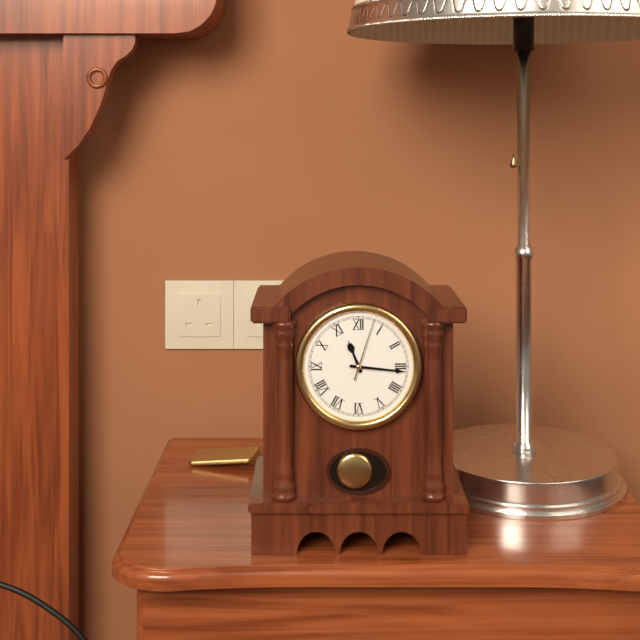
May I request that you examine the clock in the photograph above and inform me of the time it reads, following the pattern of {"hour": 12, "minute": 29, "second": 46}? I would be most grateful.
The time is {"hour": 11, "minute": 16, "second": 3}
